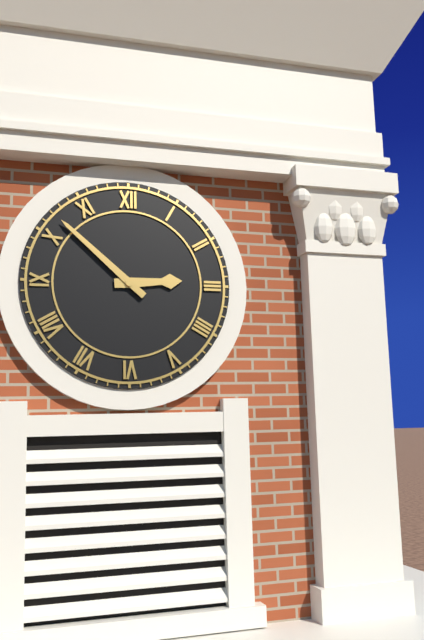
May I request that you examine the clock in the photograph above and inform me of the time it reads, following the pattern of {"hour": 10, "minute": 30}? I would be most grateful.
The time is {"hour": 2, "minute": 52}
